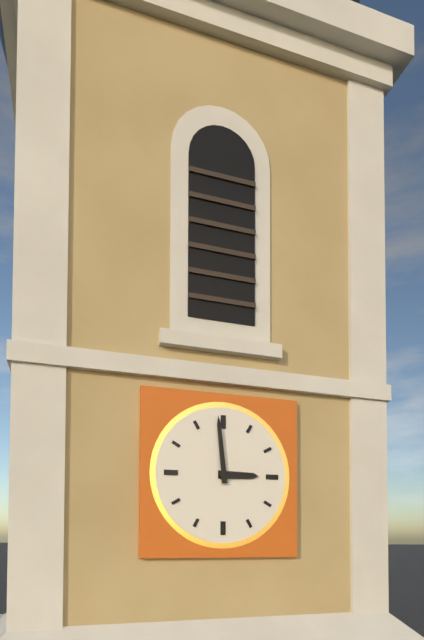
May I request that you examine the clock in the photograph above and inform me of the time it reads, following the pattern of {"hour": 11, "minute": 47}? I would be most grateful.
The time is {"hour": 2, "minute": 59}
